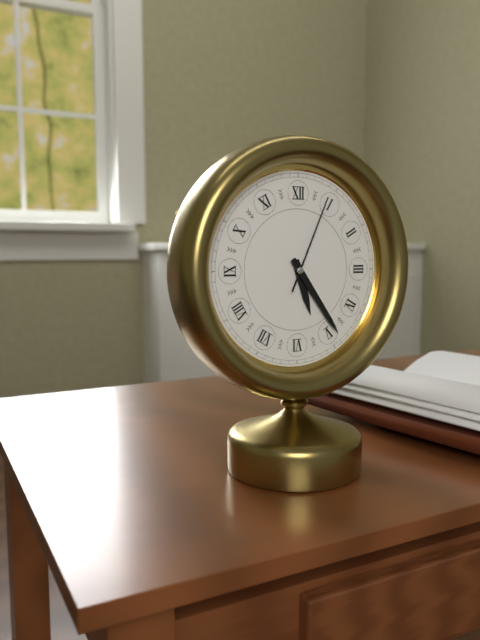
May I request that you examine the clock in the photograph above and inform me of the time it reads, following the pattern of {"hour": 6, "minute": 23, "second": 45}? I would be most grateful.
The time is {"hour": 5, "minute": 24, "second": 4}
